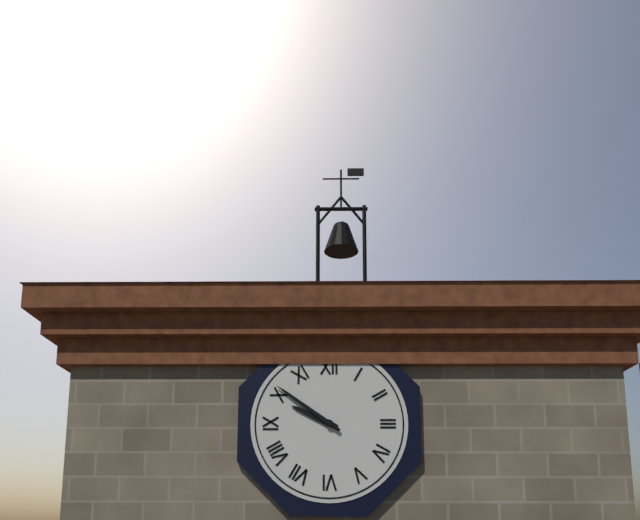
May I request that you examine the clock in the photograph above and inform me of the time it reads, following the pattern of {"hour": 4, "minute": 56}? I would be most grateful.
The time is {"hour": 9, "minute": 51}
